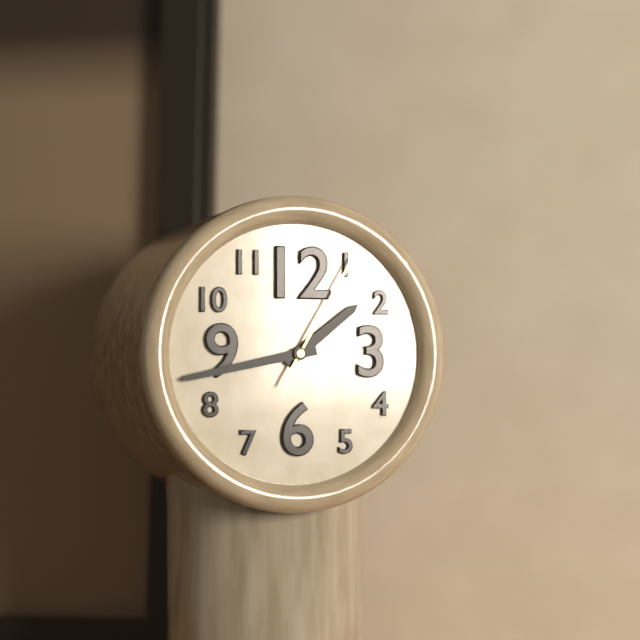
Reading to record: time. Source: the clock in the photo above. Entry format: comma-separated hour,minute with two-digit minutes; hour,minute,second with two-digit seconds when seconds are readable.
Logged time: 1,43,05
